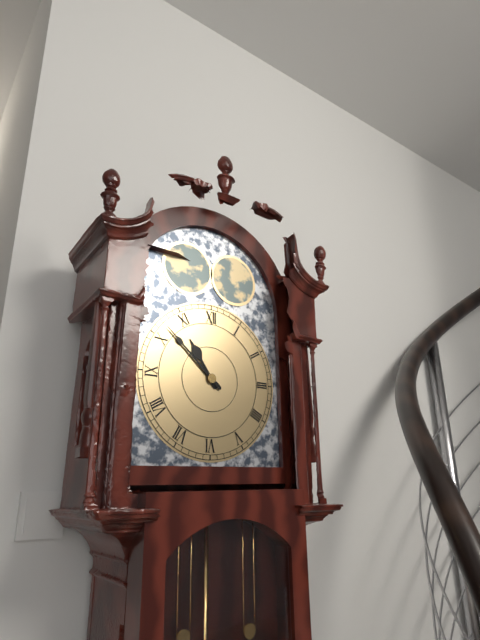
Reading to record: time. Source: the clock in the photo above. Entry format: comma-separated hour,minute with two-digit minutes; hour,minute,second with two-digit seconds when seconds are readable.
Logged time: 10,52
